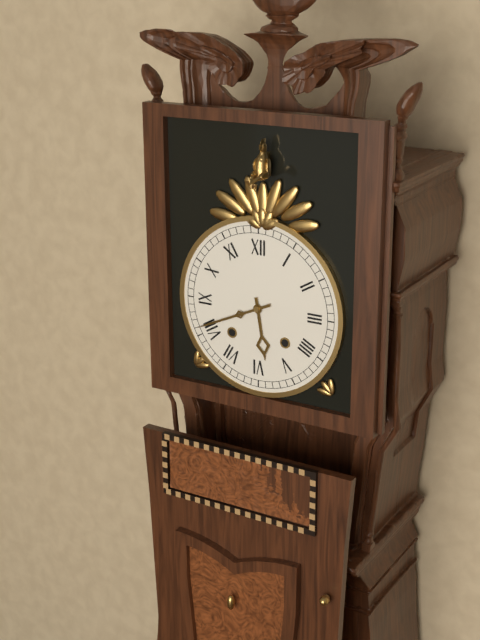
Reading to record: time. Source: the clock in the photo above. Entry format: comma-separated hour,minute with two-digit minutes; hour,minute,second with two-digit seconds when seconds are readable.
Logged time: 5,41
